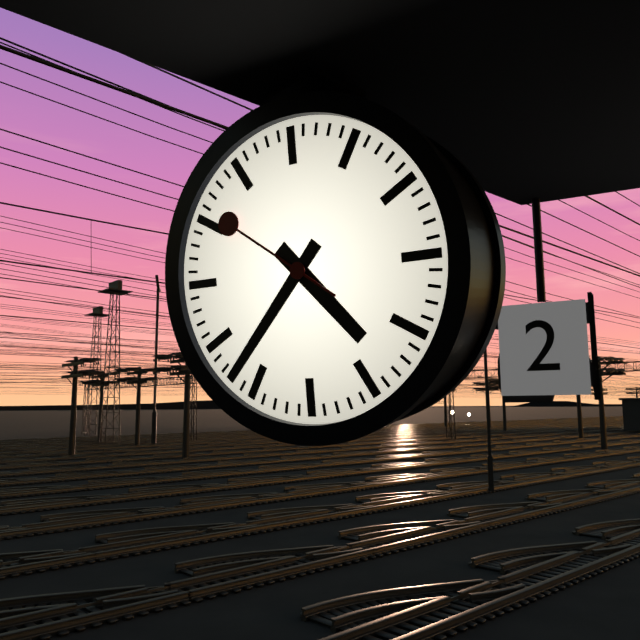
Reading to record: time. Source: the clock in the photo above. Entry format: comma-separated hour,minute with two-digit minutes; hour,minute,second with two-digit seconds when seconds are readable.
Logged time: 4,37,51
